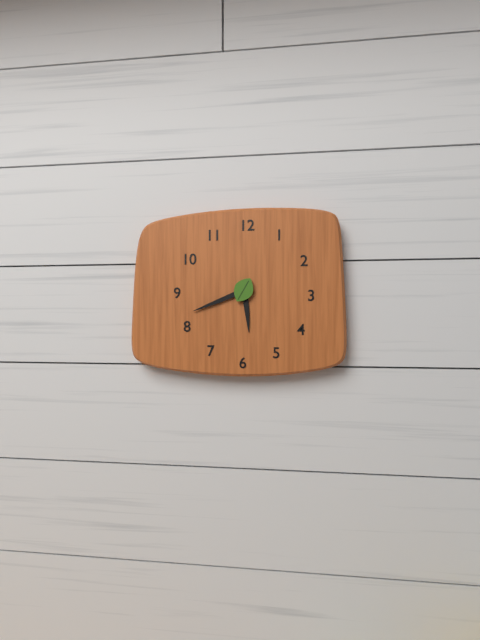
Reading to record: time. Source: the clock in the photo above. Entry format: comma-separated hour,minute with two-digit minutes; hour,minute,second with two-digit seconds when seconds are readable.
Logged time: 5,41
